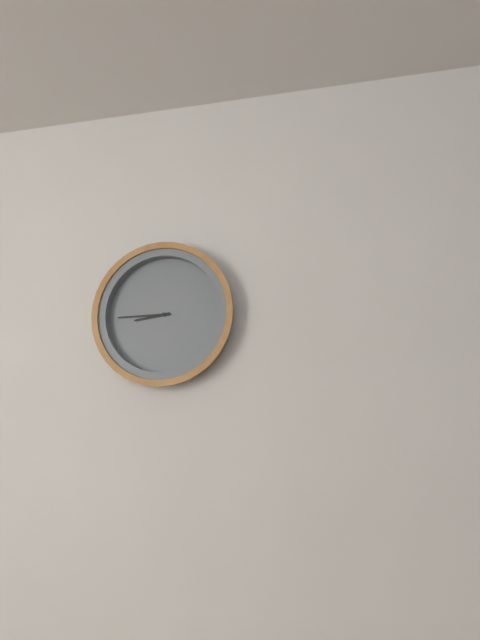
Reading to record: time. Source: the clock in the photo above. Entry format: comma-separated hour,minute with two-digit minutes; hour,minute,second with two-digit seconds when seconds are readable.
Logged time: 8,45
